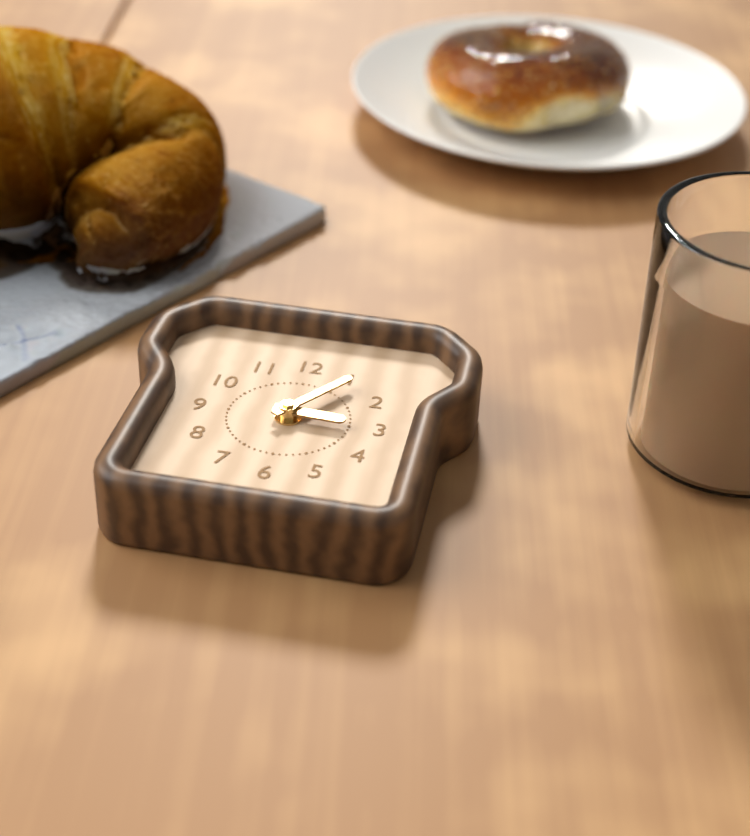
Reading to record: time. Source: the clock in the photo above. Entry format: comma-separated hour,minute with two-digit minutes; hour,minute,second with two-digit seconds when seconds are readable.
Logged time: 3,06
